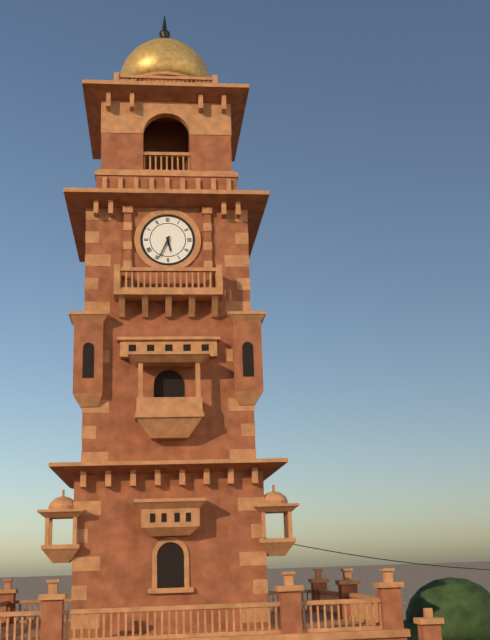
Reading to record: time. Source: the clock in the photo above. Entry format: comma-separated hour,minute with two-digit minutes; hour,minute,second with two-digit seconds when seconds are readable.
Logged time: 5,34
